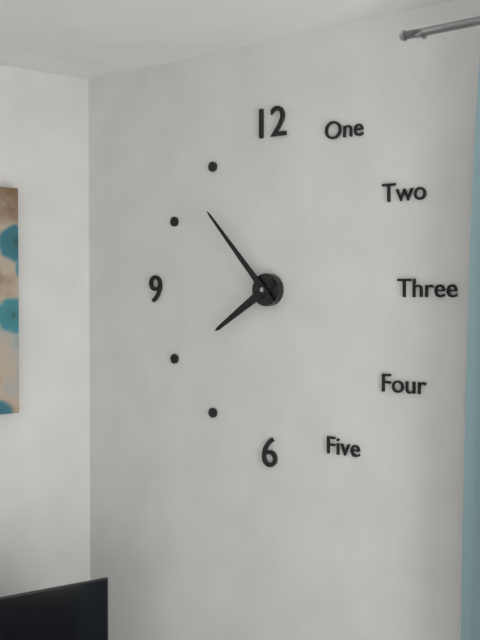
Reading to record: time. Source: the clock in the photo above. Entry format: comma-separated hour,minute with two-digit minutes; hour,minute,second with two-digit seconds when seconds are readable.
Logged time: 7,53
